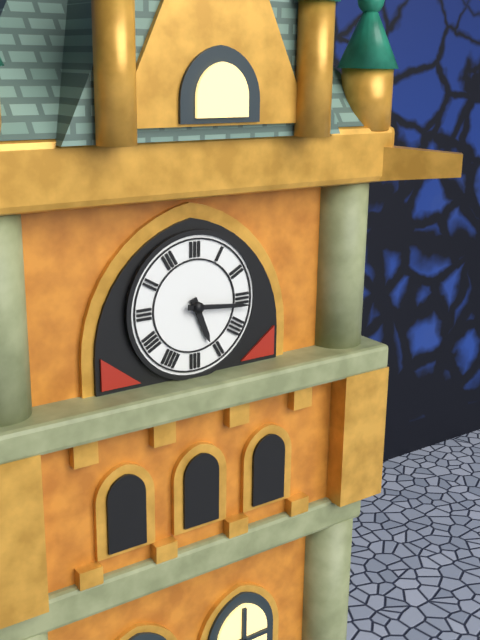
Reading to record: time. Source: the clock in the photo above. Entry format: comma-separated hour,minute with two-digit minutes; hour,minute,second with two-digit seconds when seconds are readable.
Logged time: 5,16
